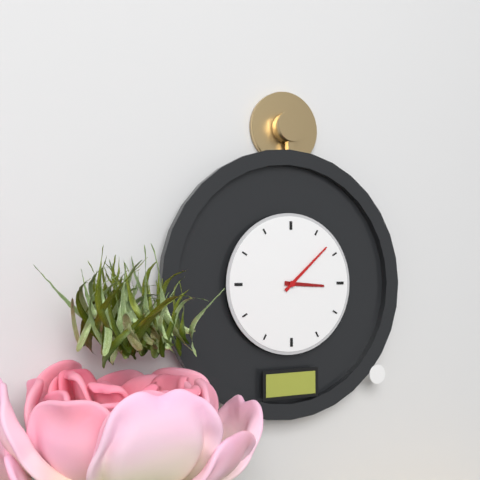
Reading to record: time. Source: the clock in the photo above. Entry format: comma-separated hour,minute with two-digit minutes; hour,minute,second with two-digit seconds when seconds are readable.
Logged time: 3,08
